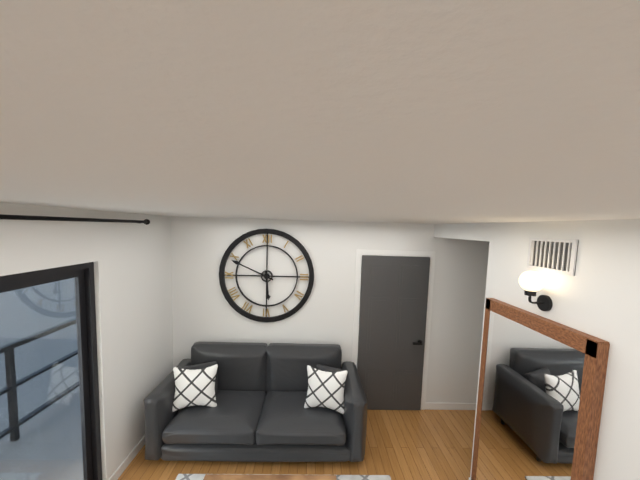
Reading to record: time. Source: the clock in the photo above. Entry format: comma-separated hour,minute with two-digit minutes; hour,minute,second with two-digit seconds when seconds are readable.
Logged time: 5,49
